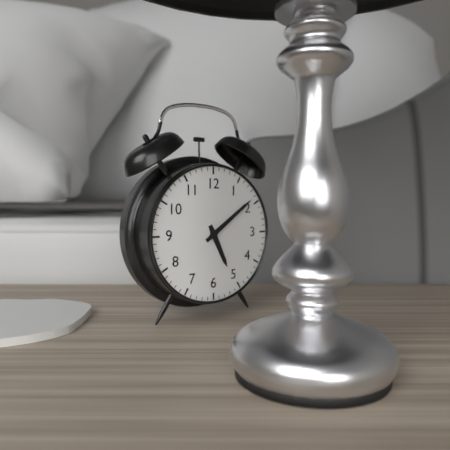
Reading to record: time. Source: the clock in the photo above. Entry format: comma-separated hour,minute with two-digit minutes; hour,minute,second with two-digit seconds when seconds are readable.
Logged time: 5,09
